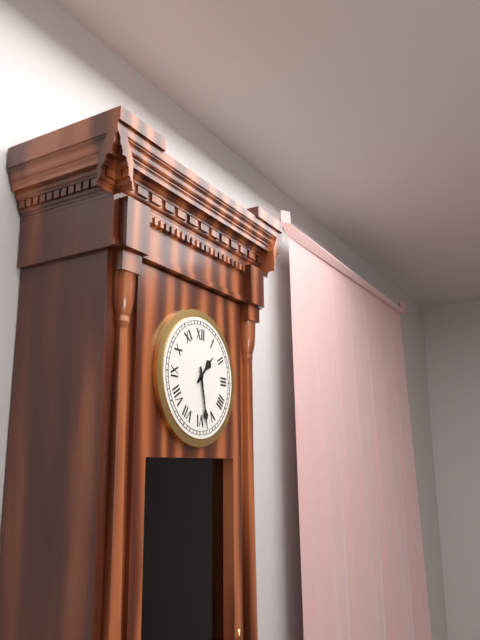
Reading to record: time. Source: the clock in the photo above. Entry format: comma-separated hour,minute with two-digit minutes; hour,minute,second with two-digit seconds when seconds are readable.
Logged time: 1,28
